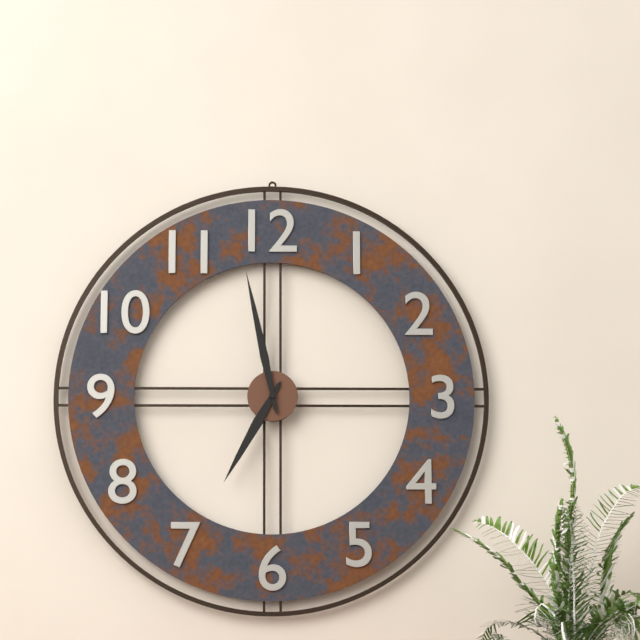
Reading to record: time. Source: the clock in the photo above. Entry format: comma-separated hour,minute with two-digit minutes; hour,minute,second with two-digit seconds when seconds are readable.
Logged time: 6,58
